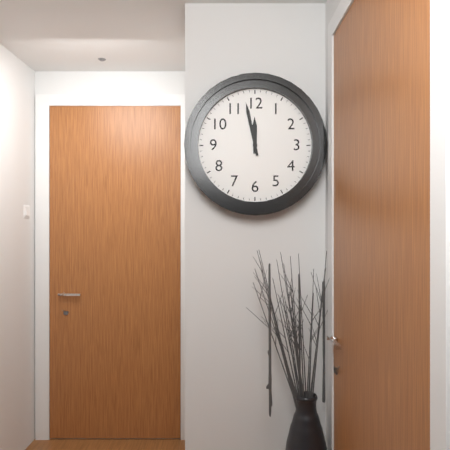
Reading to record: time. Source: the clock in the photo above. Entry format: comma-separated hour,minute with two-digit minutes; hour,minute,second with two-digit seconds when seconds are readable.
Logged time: 11,58
